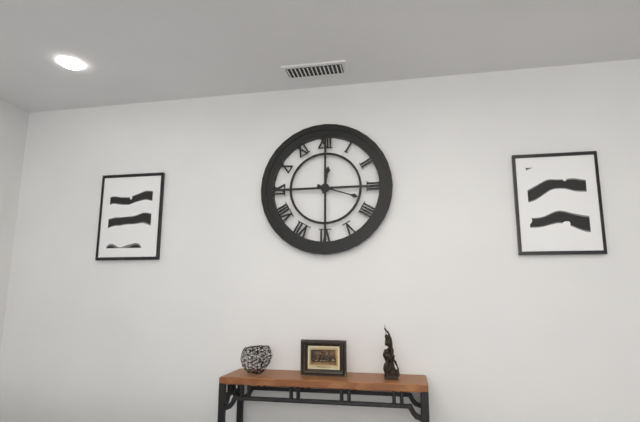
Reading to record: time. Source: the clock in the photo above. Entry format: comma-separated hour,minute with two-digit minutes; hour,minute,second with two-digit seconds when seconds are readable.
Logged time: 12,18
